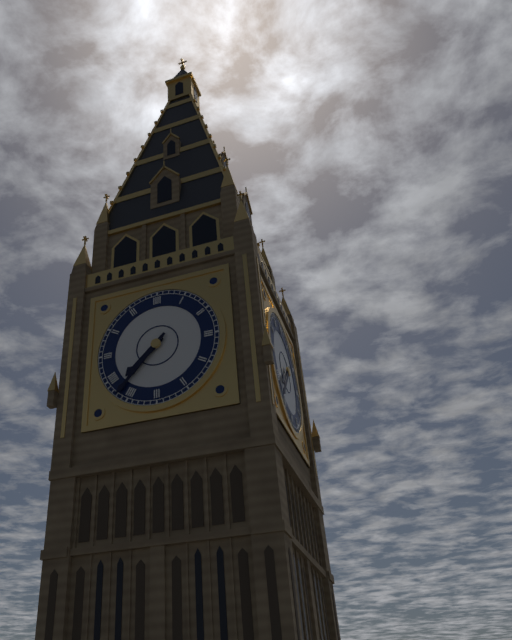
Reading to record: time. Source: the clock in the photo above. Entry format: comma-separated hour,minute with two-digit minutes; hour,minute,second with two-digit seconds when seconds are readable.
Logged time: 7,37
